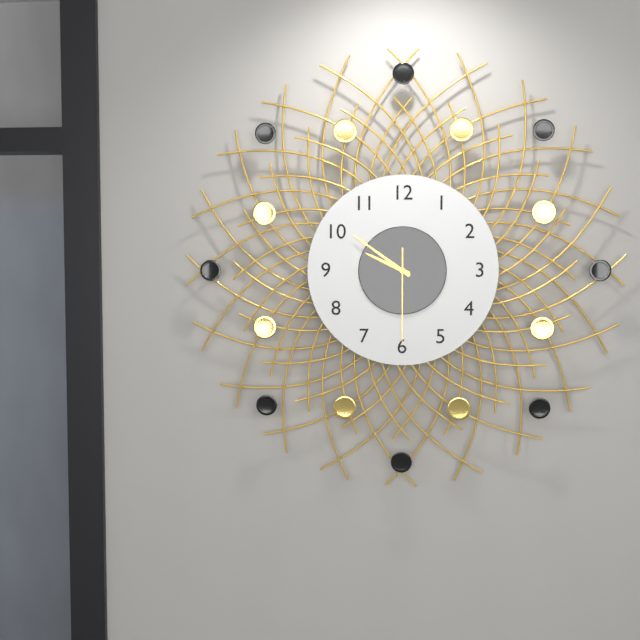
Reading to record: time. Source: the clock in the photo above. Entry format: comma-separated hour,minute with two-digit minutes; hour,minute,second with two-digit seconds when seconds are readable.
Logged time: 9,51,30
